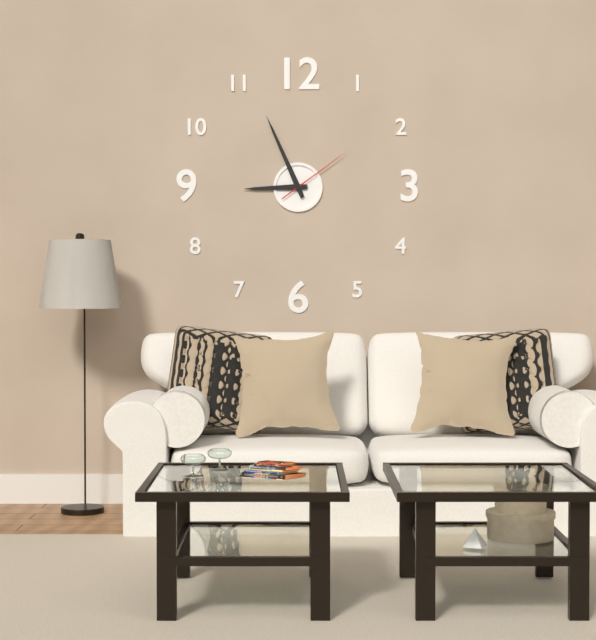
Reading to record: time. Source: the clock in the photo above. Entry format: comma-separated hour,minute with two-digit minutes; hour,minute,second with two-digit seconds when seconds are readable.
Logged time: 8,56,09
